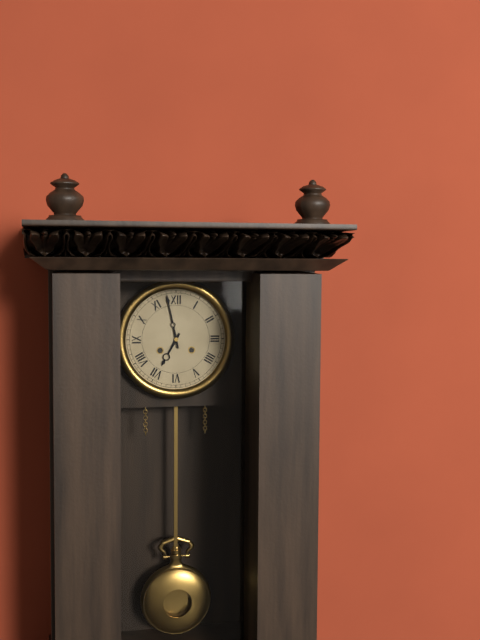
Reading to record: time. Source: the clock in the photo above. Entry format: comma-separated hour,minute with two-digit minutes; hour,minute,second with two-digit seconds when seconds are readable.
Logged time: 6,58
